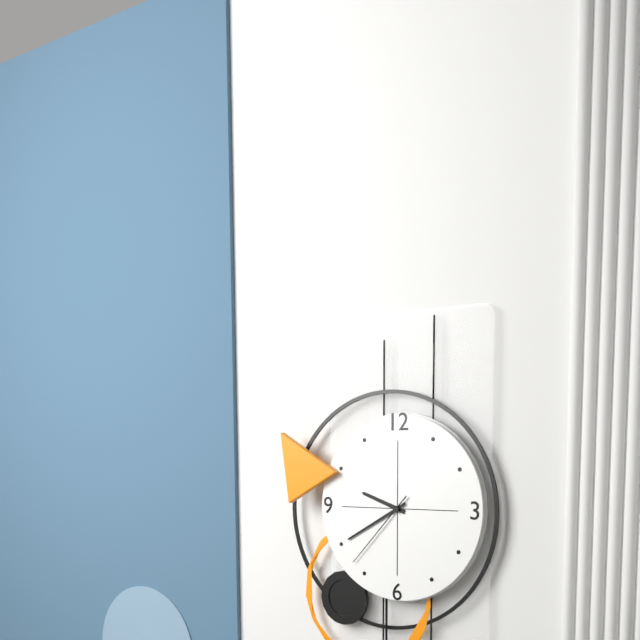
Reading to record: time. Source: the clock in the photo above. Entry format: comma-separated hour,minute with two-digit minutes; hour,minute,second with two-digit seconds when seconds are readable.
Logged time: 9,40,37
